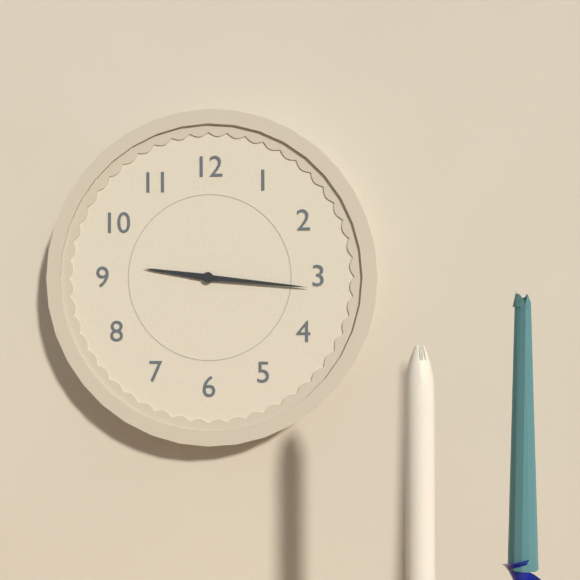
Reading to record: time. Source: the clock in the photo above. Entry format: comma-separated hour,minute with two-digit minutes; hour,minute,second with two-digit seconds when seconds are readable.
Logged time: 9,16
